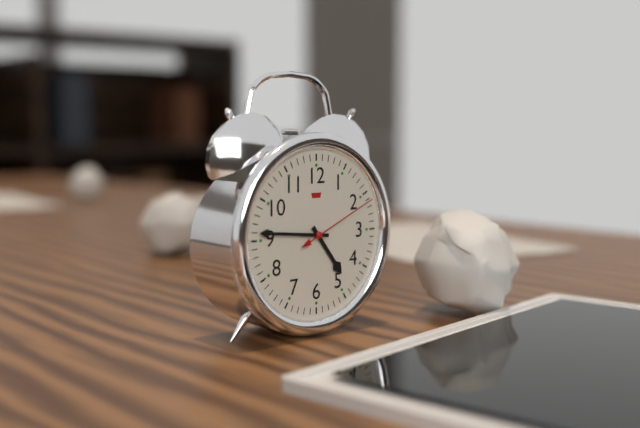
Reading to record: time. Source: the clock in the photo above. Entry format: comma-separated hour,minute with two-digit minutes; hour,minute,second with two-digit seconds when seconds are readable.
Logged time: 4,46,11
